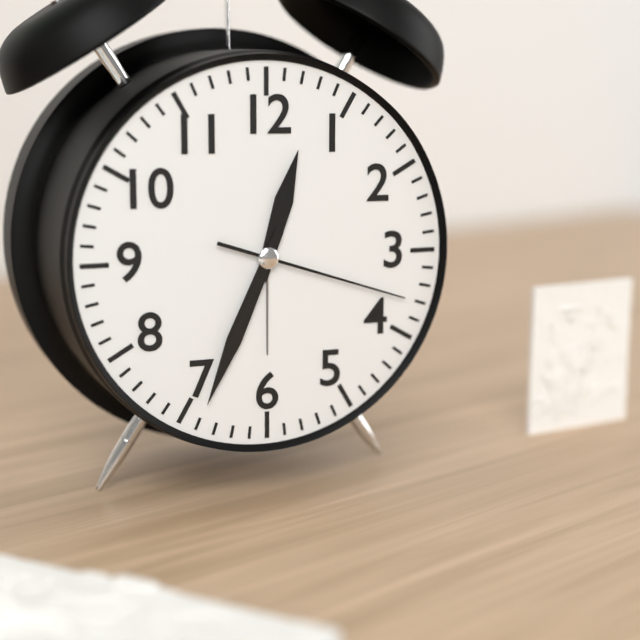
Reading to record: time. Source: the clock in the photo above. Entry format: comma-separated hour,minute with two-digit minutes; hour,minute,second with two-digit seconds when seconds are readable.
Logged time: 12,34,18
